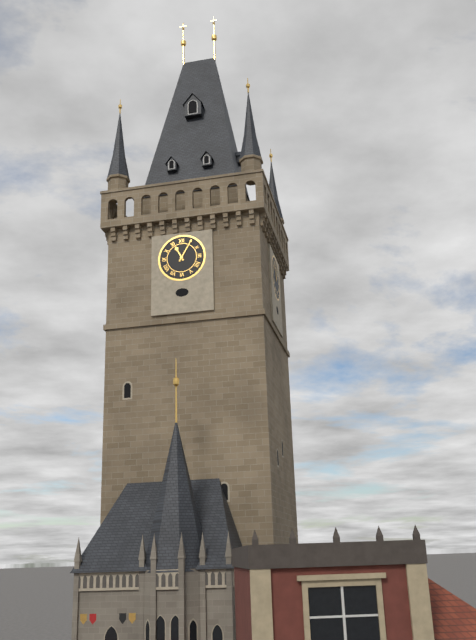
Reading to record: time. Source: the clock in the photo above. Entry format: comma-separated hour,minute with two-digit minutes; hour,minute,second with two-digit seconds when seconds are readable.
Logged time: 11,05
